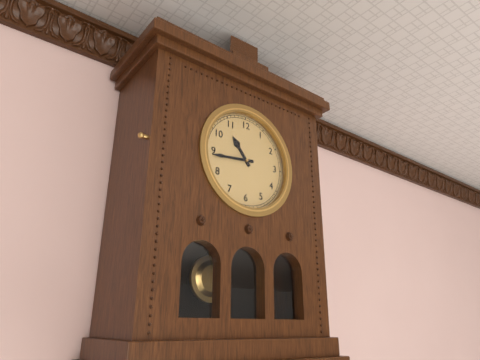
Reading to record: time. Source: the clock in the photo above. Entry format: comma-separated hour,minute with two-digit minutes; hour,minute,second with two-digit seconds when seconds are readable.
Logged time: 10,44
